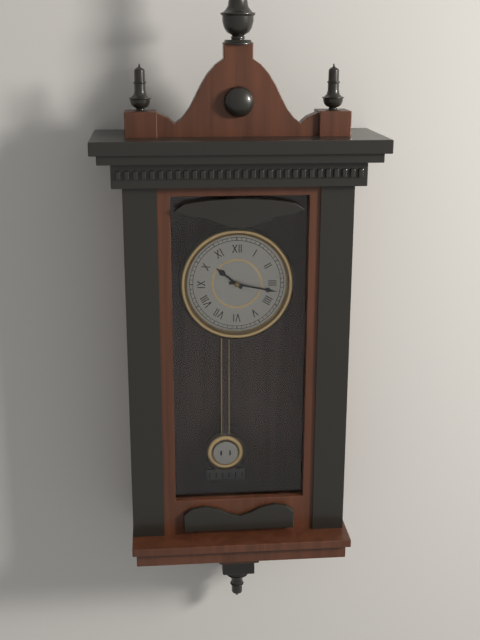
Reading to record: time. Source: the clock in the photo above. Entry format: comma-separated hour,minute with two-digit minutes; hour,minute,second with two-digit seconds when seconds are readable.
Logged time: 10,17
